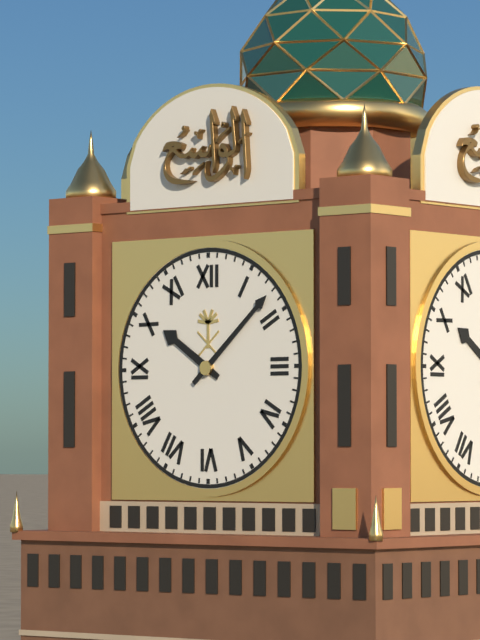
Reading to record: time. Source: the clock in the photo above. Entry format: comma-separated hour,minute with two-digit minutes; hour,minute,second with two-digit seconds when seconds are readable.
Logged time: 10,08
